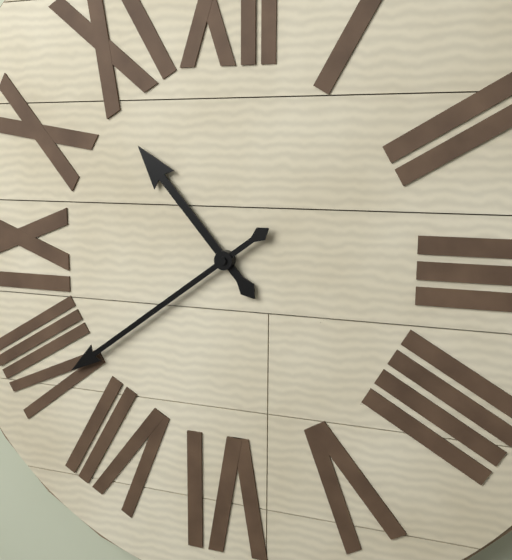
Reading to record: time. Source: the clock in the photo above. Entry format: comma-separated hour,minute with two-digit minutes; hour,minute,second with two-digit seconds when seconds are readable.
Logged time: 10,39
